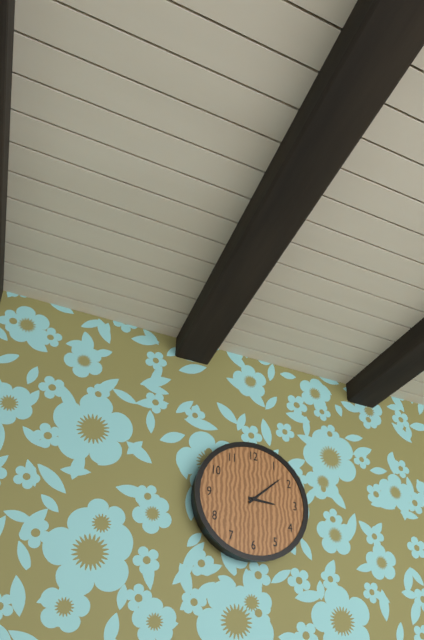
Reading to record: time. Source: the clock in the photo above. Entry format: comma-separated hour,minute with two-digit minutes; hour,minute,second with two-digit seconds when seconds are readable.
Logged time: 3,08
